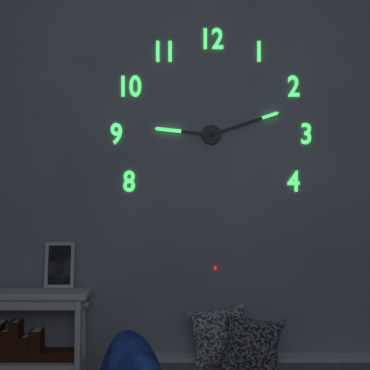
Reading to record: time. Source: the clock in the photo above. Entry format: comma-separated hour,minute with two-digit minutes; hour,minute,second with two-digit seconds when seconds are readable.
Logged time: 9,12
